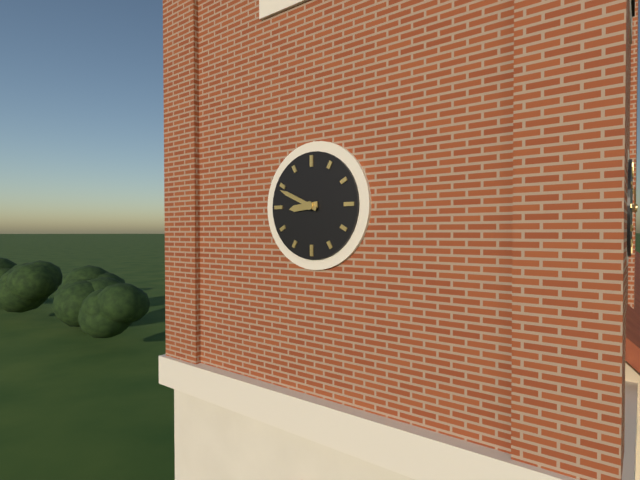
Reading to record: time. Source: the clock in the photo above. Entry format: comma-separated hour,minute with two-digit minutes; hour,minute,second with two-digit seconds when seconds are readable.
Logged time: 8,49
